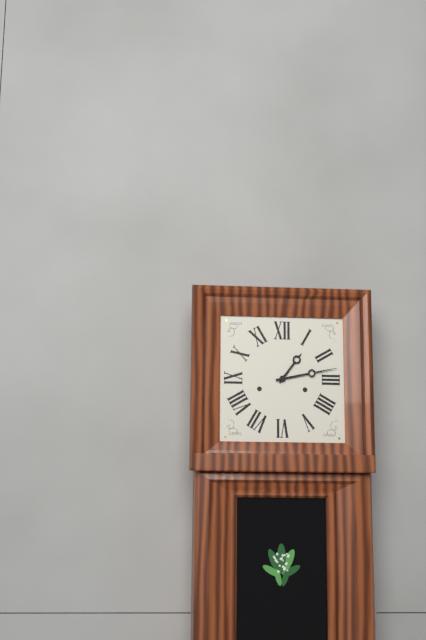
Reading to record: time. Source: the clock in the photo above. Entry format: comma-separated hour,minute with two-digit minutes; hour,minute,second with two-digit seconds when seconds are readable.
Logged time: 1,13
